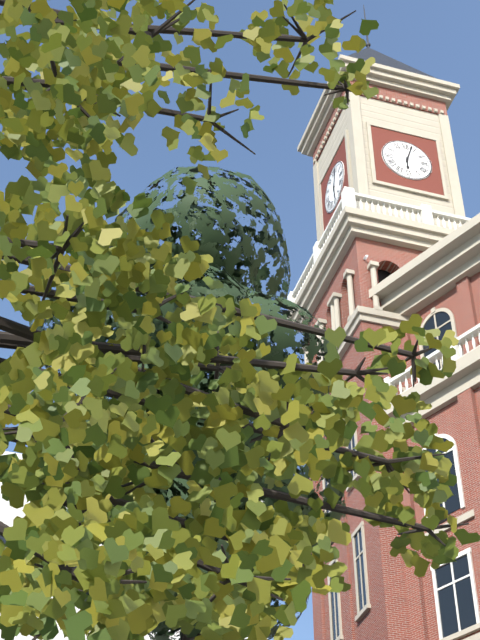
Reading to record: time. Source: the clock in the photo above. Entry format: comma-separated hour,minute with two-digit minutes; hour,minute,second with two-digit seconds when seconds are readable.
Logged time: 6,03
